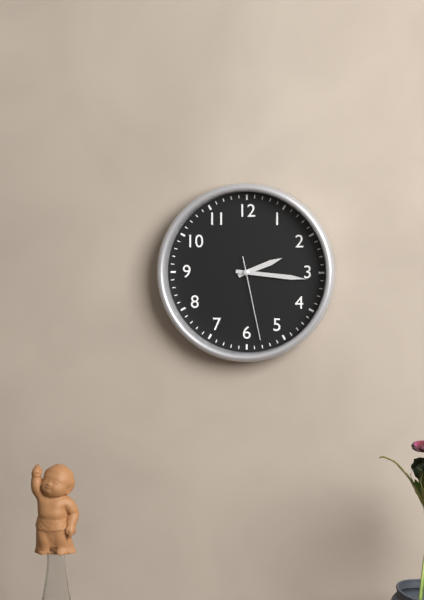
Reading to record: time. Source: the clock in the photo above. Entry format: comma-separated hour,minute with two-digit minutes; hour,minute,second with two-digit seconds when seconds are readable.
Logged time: 2,16,28
